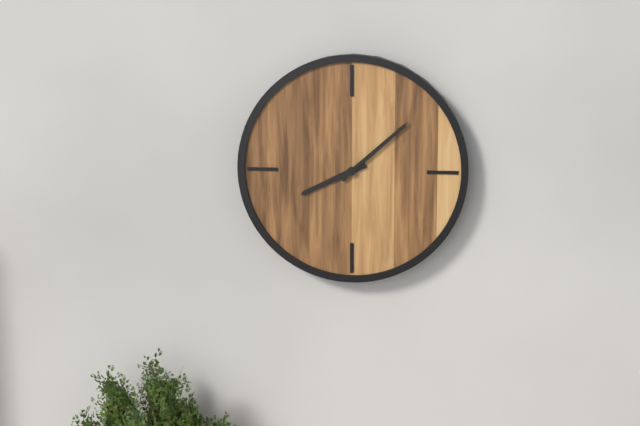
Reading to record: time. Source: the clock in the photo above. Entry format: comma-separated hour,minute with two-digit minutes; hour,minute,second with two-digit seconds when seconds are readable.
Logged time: 8,08
